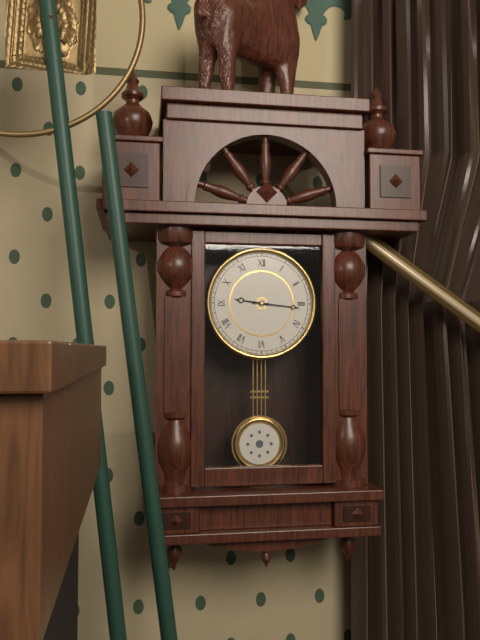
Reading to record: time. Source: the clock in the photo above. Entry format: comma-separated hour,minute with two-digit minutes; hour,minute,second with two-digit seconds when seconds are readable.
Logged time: 9,16
